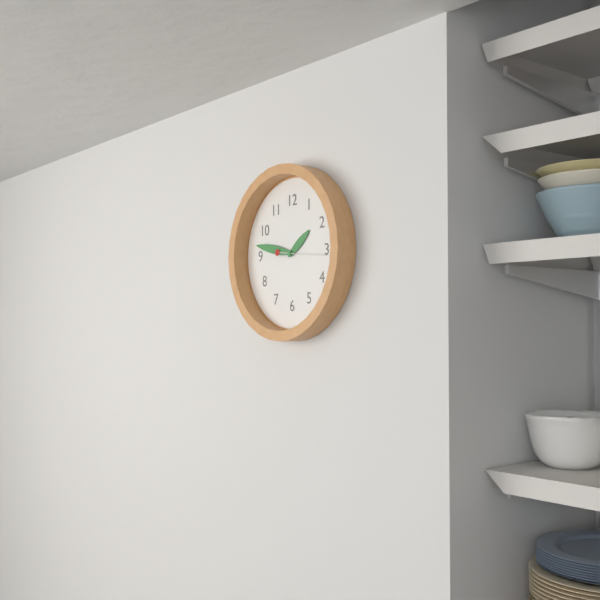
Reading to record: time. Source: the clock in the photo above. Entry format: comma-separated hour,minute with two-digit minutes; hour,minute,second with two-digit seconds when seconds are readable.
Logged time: 1,47
